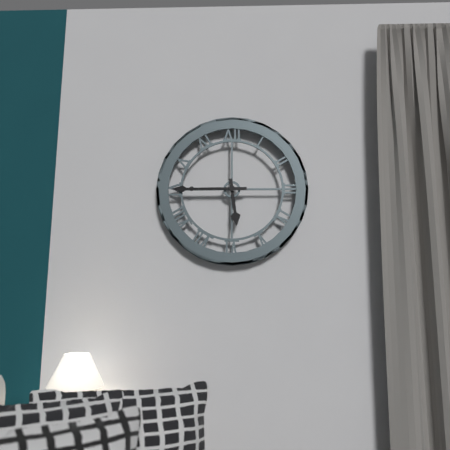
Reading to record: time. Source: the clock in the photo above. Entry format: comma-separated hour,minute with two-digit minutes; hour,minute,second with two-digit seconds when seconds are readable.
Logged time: 5,45
